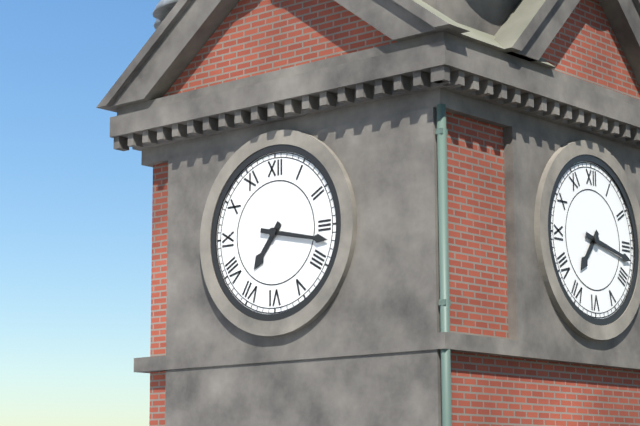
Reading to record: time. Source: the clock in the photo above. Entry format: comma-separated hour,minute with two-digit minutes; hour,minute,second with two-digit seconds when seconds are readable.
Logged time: 7,17
